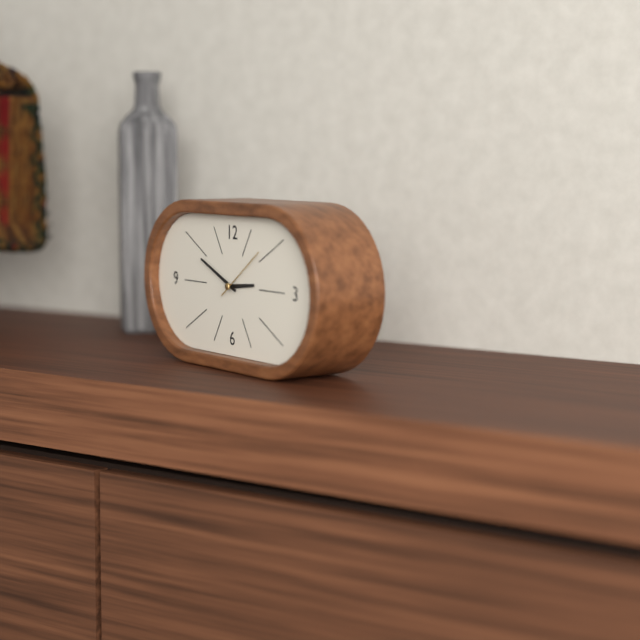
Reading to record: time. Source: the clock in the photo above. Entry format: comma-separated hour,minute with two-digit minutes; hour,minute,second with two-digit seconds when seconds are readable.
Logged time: 2,49,09
